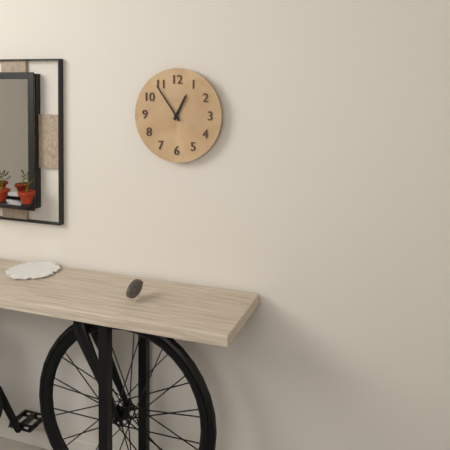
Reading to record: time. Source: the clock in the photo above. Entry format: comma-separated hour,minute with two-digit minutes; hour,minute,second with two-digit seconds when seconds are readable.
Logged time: 12,54
